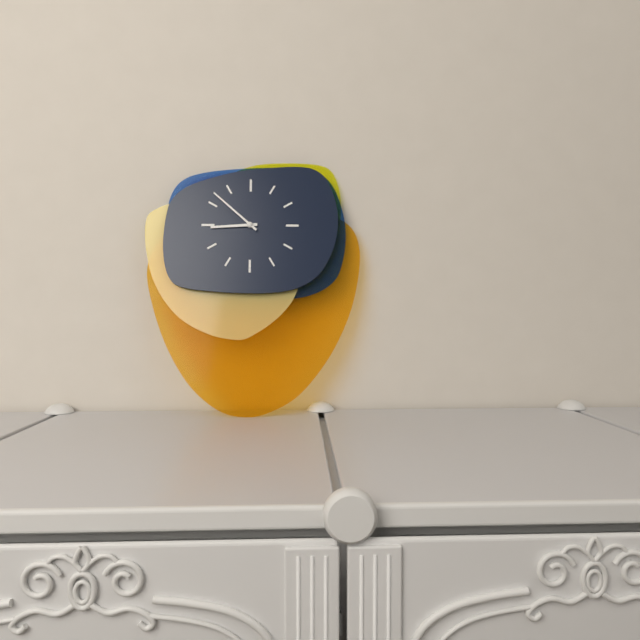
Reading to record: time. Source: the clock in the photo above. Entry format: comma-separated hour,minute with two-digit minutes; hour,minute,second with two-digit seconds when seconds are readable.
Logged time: 8,52
